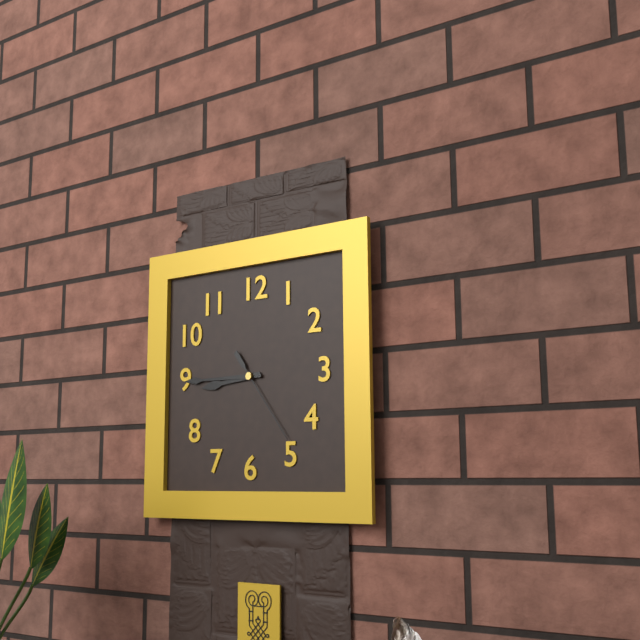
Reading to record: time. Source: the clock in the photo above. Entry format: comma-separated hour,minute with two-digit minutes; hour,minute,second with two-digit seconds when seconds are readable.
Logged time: 8,45,24
